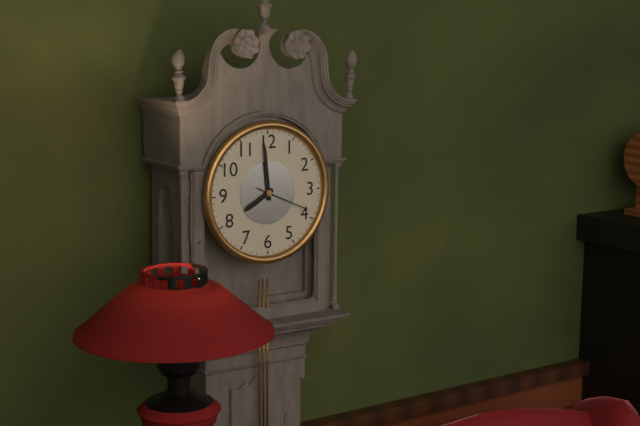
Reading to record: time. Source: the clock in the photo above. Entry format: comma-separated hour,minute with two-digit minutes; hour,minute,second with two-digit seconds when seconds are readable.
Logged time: 7,59,19
